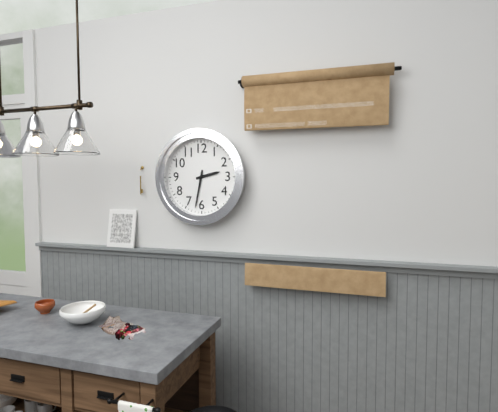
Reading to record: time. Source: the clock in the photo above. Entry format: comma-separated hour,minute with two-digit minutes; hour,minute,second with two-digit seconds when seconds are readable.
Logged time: 2,32
